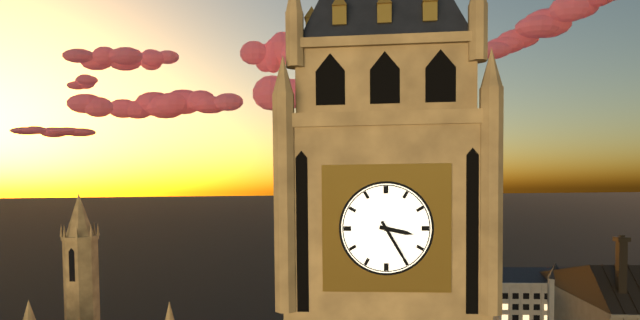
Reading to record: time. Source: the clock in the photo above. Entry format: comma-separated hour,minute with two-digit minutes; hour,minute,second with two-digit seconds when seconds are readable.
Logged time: 3,25
